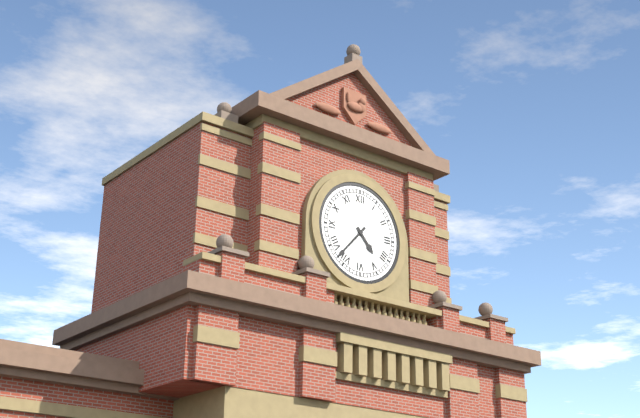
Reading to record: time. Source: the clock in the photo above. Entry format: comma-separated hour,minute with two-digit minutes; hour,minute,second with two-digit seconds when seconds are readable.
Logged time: 4,37
